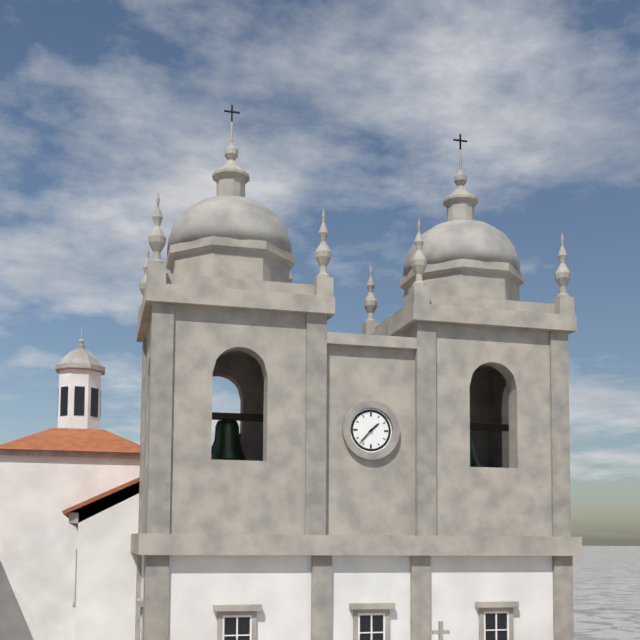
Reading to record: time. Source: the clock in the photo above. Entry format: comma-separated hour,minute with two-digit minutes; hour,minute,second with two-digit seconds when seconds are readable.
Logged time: 1,37
